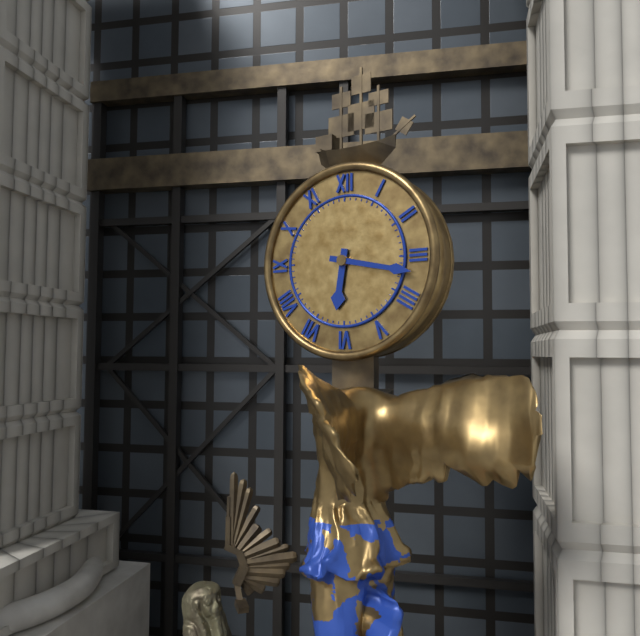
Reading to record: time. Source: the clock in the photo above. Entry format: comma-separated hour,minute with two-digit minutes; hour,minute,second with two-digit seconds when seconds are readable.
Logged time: 6,17
